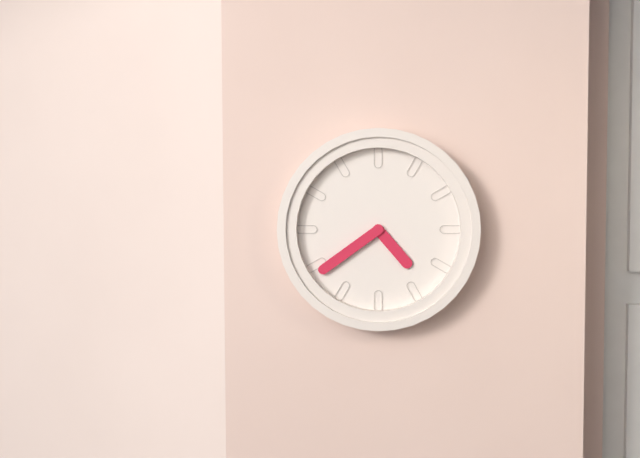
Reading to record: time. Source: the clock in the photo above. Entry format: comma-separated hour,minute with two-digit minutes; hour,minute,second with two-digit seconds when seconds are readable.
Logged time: 4,39
